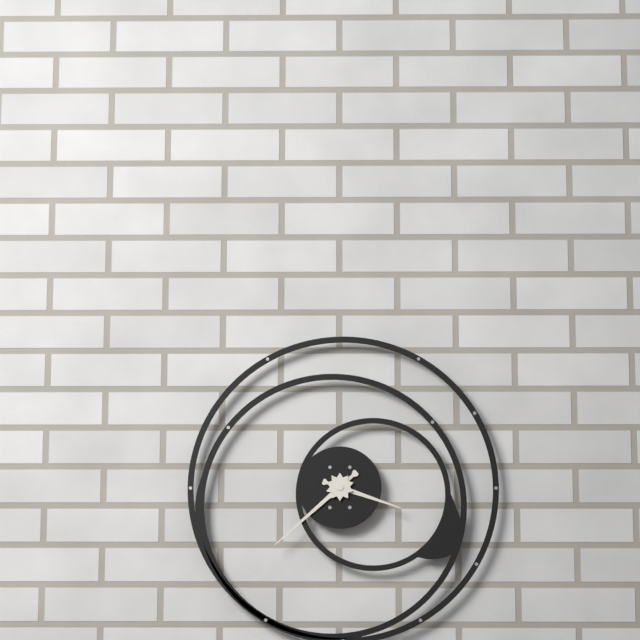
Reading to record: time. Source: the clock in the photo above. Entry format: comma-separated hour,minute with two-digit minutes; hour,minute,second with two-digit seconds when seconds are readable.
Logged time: 3,38
